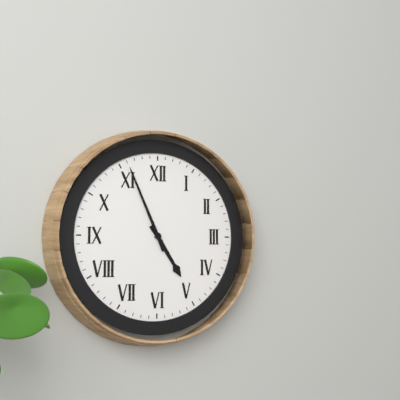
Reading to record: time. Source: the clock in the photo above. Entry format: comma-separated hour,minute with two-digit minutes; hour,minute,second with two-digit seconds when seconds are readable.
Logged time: 4,56
